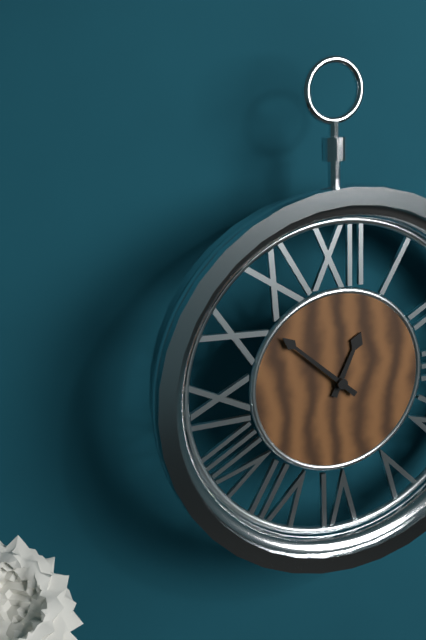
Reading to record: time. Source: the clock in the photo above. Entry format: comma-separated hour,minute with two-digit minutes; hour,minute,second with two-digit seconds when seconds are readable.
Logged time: 12,52
